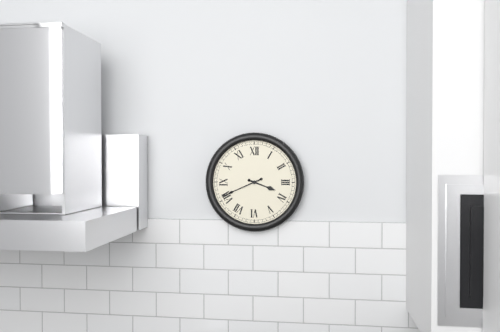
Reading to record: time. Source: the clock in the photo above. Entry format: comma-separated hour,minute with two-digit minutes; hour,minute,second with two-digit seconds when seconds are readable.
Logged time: 3,41
